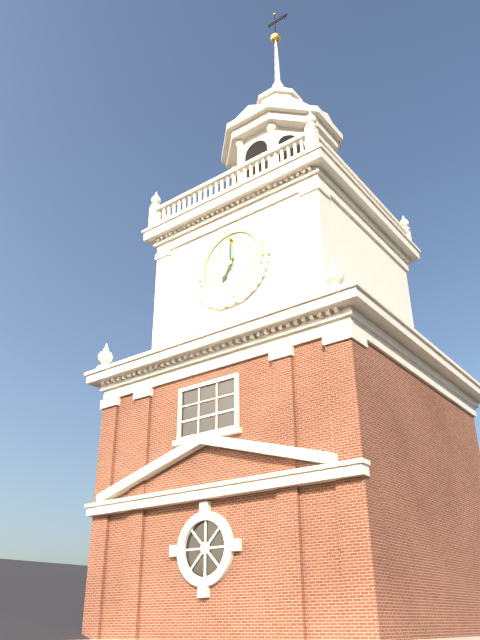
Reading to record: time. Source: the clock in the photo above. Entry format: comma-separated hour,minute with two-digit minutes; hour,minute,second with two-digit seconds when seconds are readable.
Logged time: 7,00
